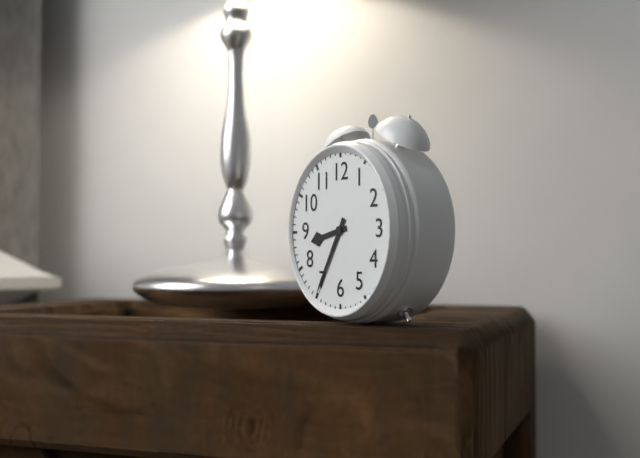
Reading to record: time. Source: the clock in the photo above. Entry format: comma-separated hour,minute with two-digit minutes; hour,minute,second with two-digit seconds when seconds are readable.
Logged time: 8,35
